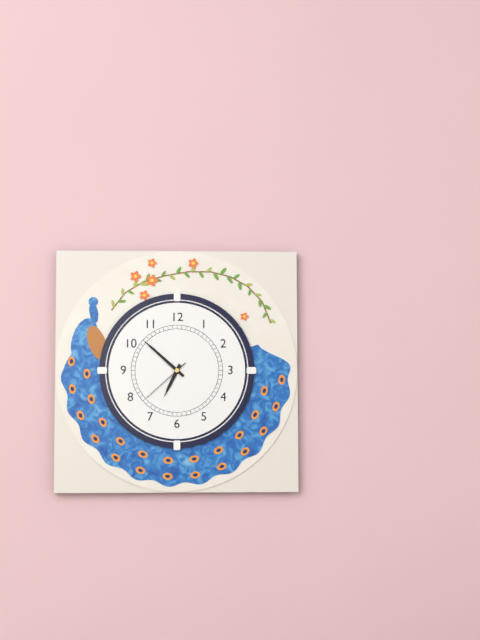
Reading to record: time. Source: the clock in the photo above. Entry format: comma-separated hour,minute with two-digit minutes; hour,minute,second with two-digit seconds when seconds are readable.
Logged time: 6,52,38
